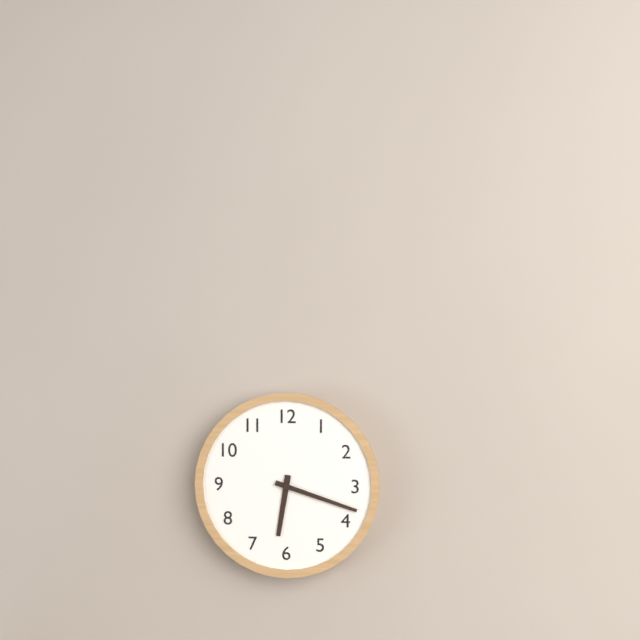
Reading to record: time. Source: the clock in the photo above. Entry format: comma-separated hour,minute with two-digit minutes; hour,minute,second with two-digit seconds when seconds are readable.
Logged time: 6,18
